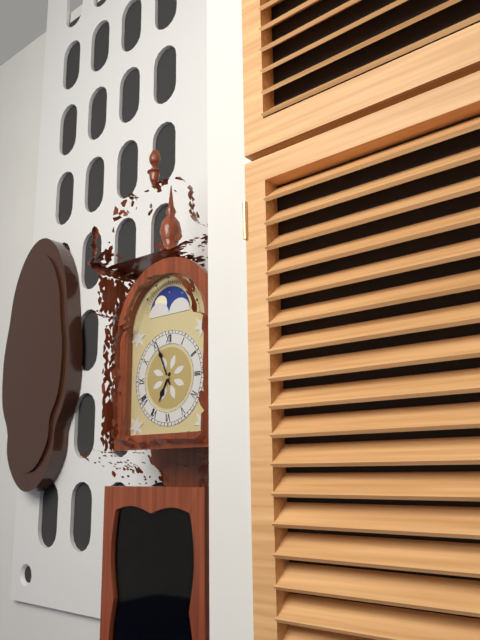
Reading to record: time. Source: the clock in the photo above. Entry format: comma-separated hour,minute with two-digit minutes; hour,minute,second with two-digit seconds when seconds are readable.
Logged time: 6,56
